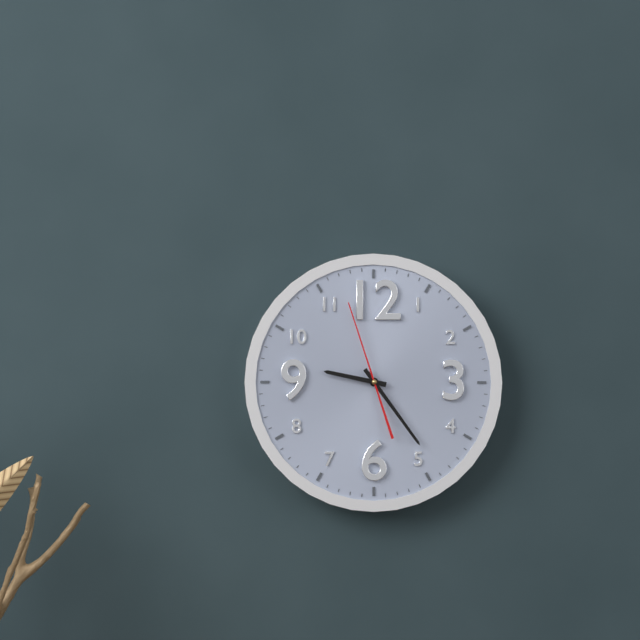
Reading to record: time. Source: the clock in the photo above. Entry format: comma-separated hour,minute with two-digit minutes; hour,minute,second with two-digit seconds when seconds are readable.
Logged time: 9,24,57
